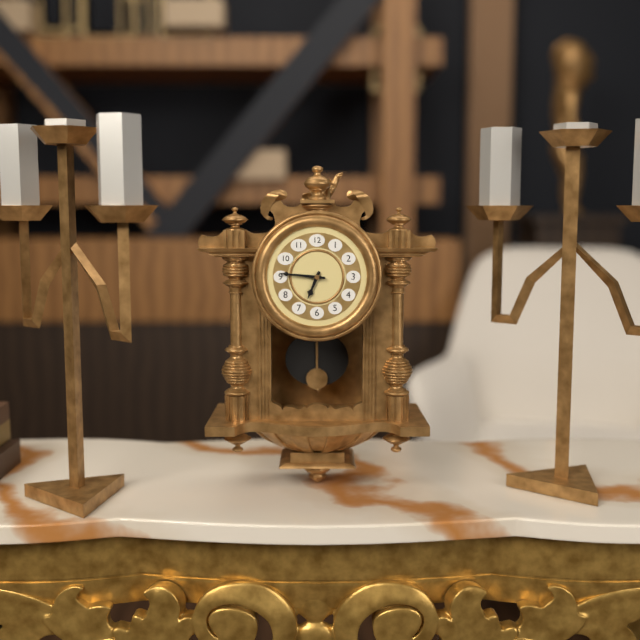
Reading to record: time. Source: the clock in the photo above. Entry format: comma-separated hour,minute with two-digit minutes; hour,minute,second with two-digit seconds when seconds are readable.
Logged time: 6,46
